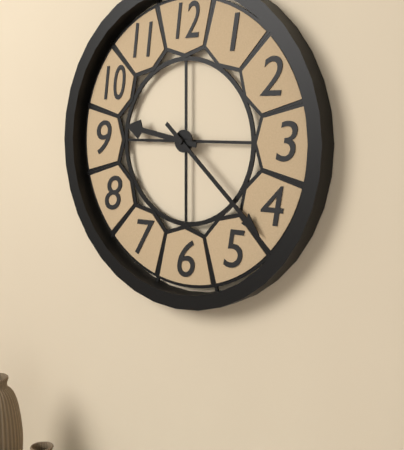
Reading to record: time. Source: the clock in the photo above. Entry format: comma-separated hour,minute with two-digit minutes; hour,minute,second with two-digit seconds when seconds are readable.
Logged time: 9,22
